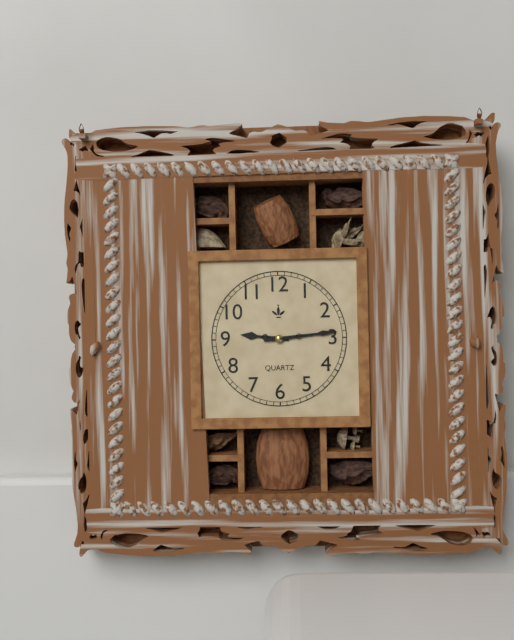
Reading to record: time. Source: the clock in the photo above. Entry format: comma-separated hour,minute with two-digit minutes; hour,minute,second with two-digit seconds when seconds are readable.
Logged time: 9,14
